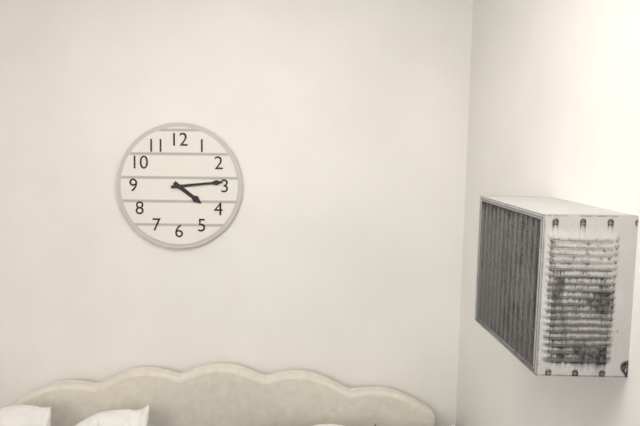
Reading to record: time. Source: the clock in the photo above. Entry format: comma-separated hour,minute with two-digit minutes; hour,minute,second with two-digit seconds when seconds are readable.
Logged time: 4,14
